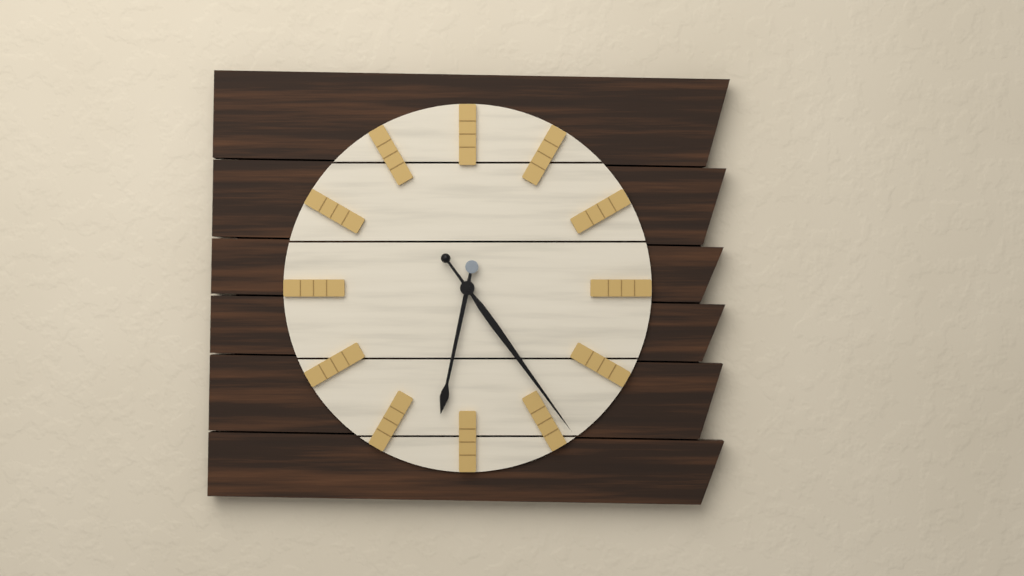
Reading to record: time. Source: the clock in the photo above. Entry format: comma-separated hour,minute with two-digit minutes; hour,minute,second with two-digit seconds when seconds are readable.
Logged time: 6,24
